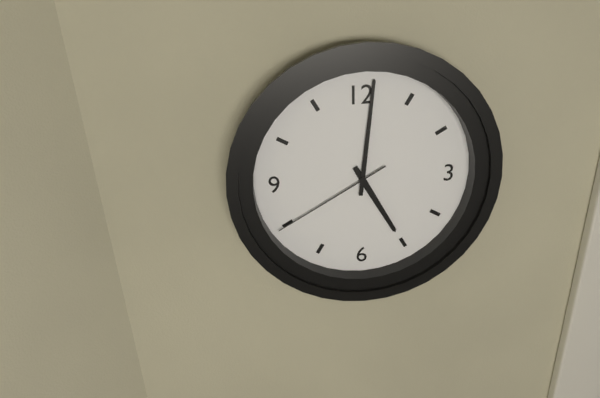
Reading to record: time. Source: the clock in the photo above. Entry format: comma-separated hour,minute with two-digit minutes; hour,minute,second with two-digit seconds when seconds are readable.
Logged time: 5,01,40
